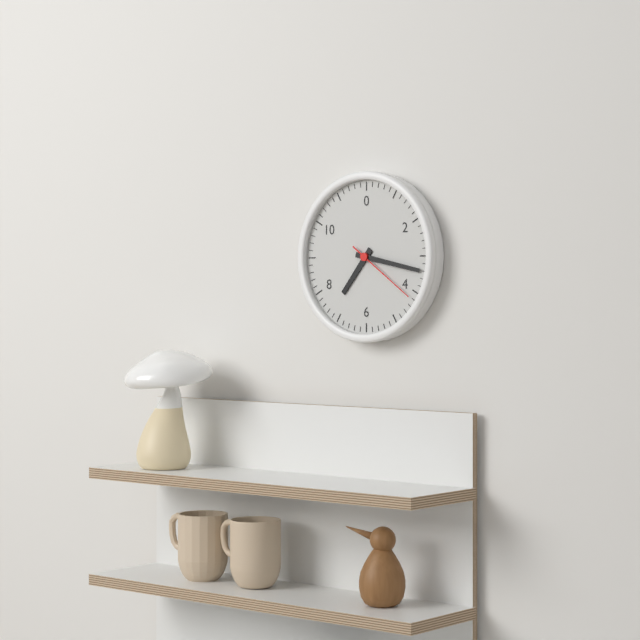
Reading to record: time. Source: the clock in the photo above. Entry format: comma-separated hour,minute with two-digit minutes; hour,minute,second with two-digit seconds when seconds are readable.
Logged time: 7,17,21
